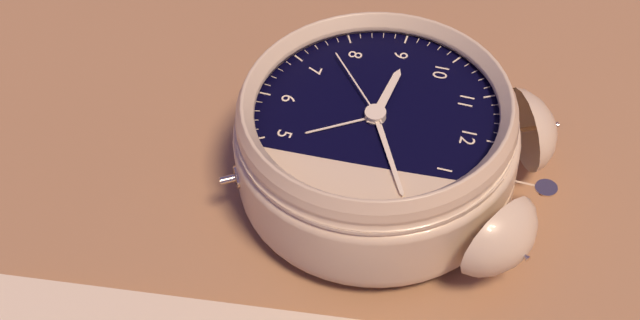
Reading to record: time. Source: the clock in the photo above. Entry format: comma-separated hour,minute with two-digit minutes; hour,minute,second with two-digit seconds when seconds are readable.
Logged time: 9,10,38
